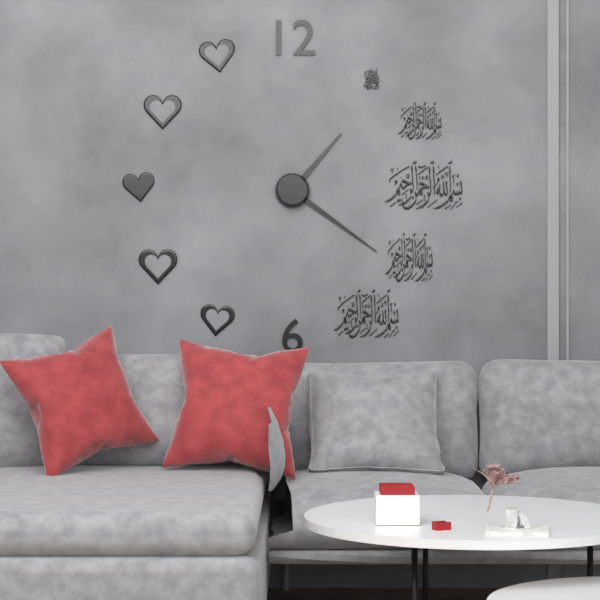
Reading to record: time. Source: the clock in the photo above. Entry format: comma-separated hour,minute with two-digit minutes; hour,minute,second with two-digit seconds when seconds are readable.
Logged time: 1,21
